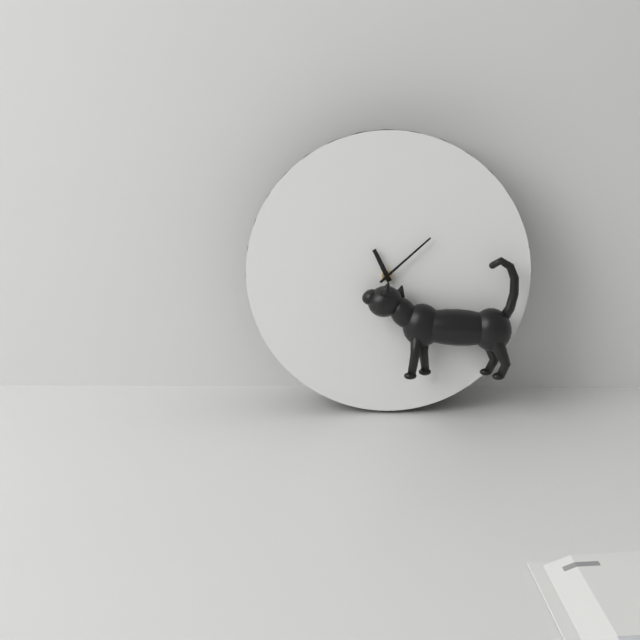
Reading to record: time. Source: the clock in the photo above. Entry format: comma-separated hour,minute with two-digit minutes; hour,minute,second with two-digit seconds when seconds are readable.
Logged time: 11,08
